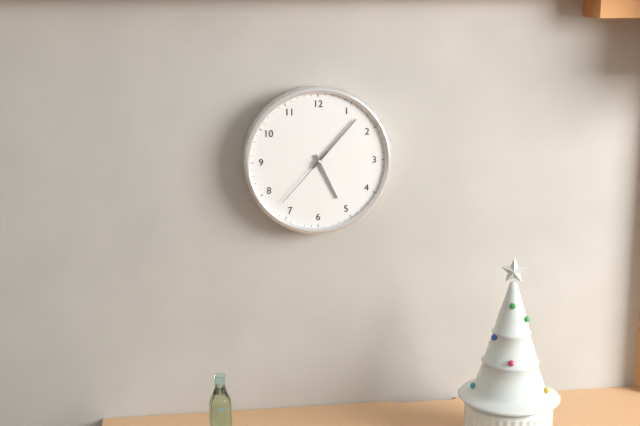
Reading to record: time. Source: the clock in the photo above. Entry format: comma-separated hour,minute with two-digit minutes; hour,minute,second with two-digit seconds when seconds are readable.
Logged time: 5,07,37
